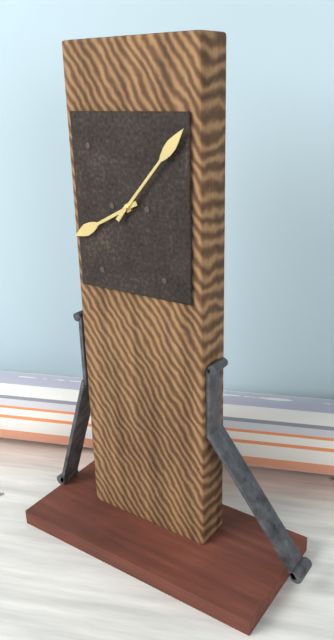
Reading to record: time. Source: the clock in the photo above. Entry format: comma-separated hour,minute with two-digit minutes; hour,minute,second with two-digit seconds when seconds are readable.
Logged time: 8,07
